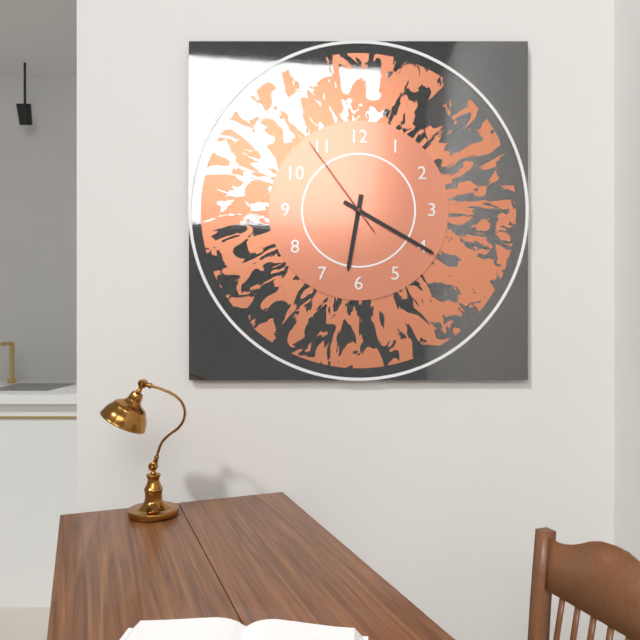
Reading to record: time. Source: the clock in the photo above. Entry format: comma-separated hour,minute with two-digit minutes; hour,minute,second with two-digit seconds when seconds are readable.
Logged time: 6,20,54
